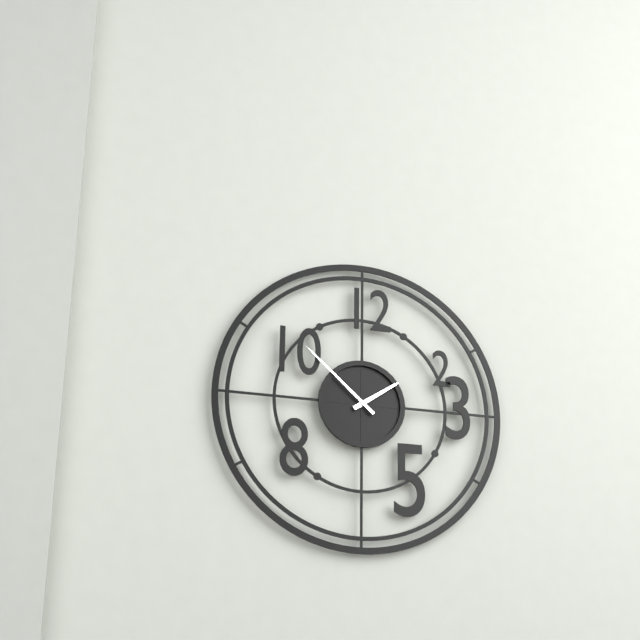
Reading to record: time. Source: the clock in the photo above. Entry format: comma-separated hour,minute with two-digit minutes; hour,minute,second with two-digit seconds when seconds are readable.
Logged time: 1,52
